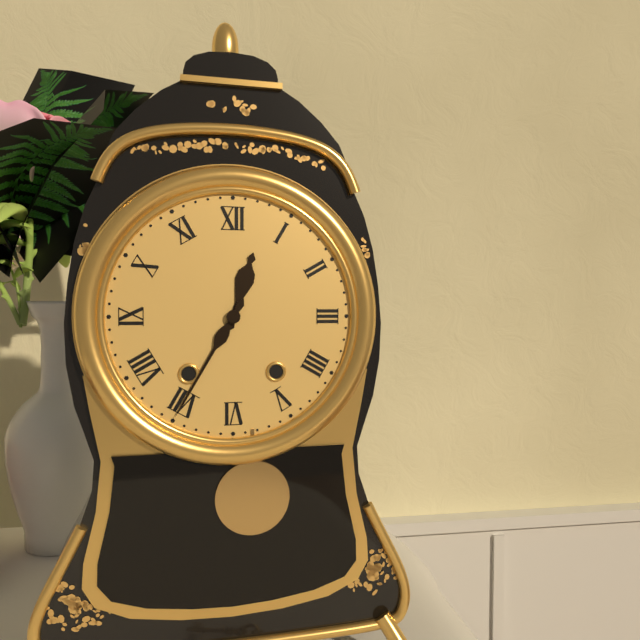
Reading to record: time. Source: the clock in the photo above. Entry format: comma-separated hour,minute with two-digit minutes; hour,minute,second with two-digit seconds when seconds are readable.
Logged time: 12,35
